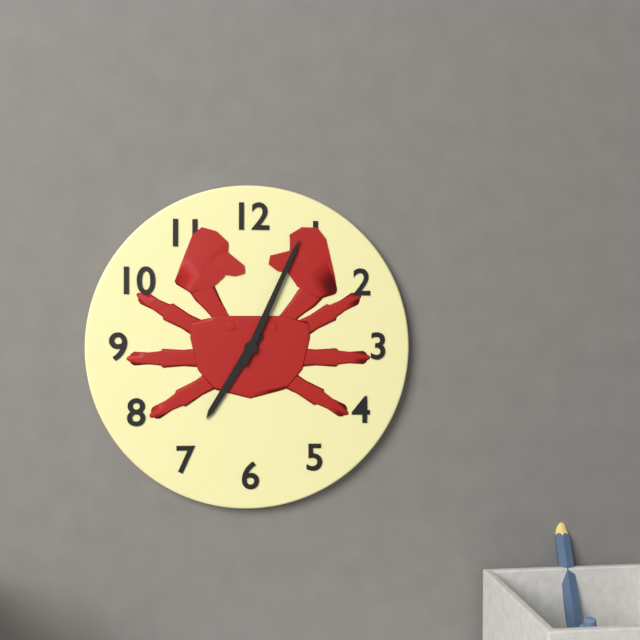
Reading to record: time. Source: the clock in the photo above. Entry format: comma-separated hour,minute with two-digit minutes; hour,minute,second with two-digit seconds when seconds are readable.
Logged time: 7,04
